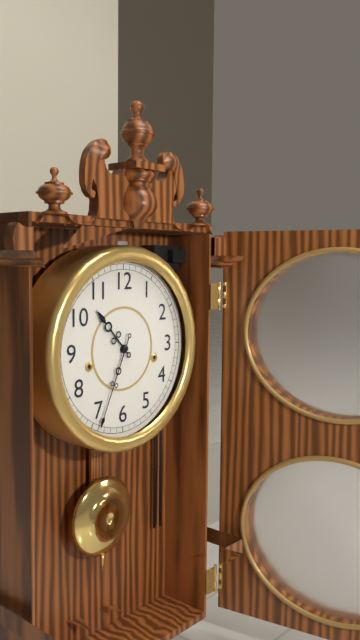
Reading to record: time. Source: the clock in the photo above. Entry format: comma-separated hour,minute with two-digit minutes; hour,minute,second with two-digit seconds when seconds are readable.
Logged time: 10,34
